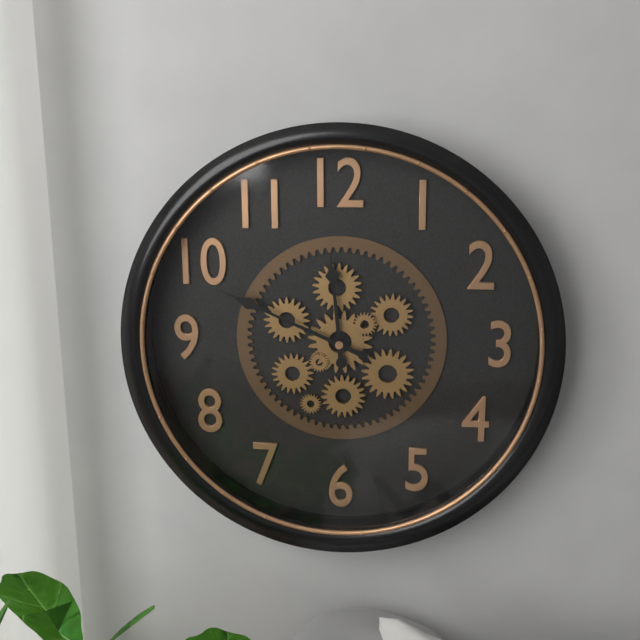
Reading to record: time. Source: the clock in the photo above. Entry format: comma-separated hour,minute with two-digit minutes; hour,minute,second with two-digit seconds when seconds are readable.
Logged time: 11,49
